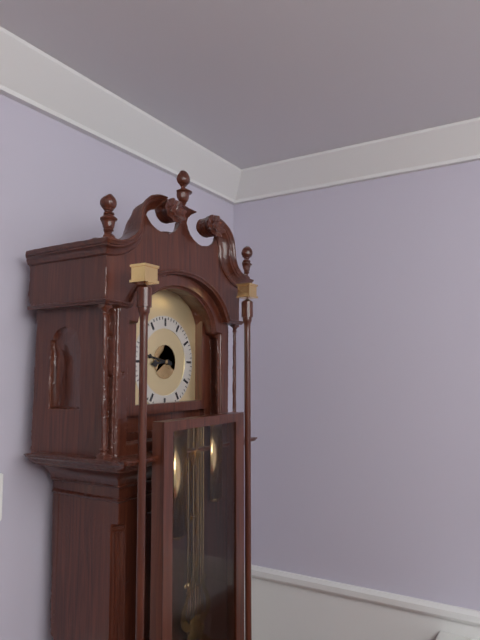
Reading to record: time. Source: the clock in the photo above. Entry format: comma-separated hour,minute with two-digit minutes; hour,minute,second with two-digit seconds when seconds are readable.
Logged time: 8,47
